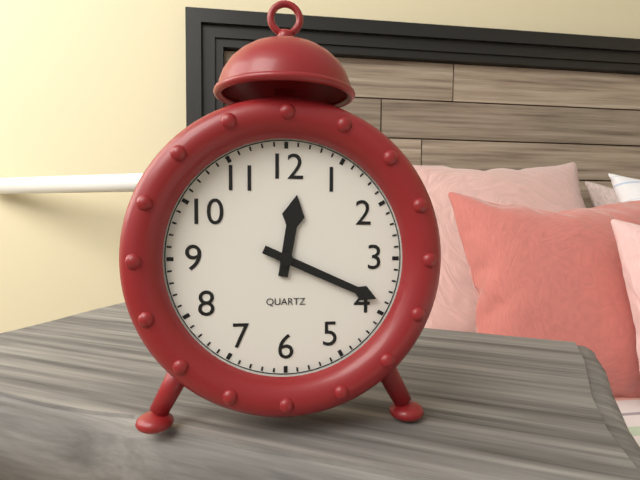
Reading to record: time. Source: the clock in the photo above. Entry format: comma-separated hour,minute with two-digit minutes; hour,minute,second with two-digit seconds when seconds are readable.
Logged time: 12,19
